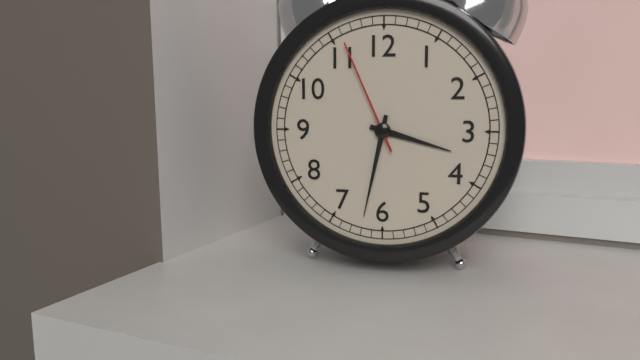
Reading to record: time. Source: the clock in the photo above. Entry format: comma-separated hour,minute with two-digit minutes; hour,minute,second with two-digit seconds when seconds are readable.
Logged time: 3,32,56
